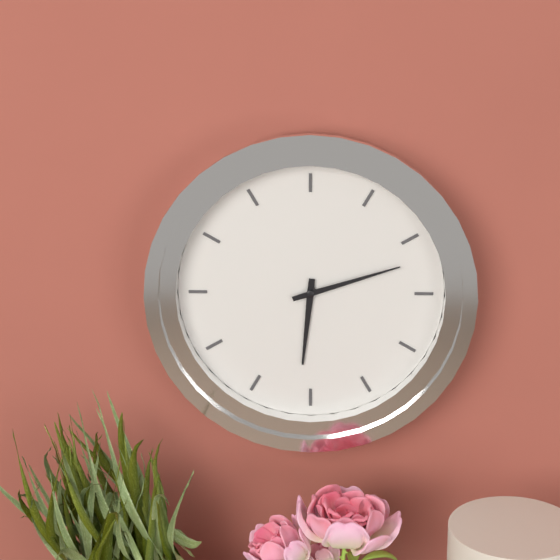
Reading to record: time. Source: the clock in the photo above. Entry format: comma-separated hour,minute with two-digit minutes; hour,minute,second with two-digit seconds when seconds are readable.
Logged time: 6,12
